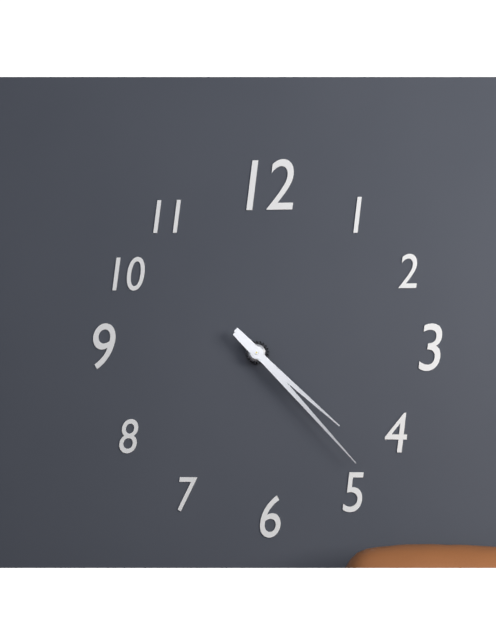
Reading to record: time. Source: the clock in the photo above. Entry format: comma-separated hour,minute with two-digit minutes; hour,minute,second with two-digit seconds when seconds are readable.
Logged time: 4,23
